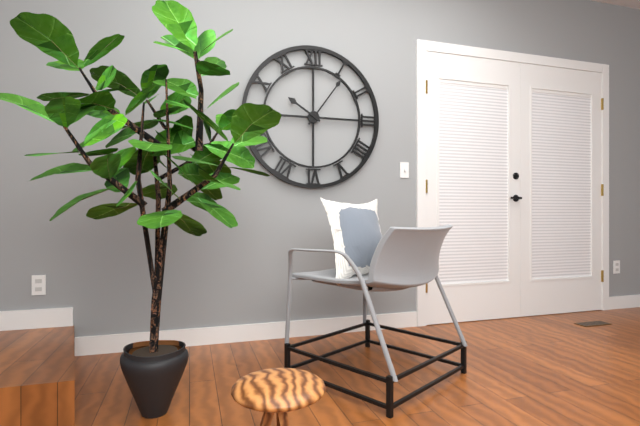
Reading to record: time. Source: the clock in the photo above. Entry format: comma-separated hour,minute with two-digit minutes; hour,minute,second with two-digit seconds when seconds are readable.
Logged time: 10,06
